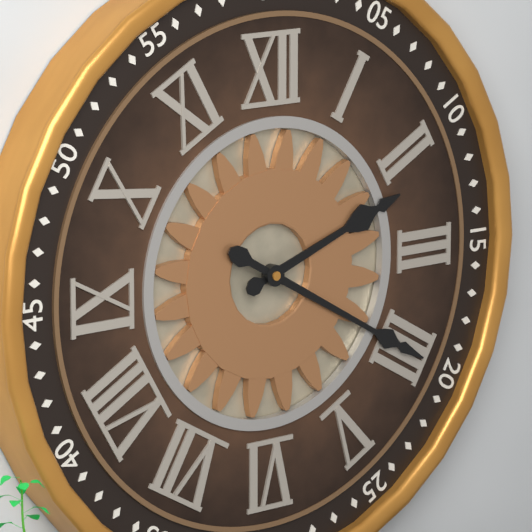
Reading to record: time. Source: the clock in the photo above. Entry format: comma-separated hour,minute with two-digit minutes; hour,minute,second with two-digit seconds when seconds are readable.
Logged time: 2,20
